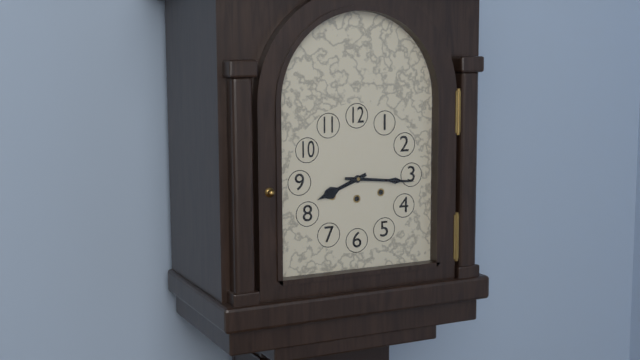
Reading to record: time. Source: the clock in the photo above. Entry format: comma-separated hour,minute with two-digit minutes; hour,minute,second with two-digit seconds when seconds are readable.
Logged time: 8,16
